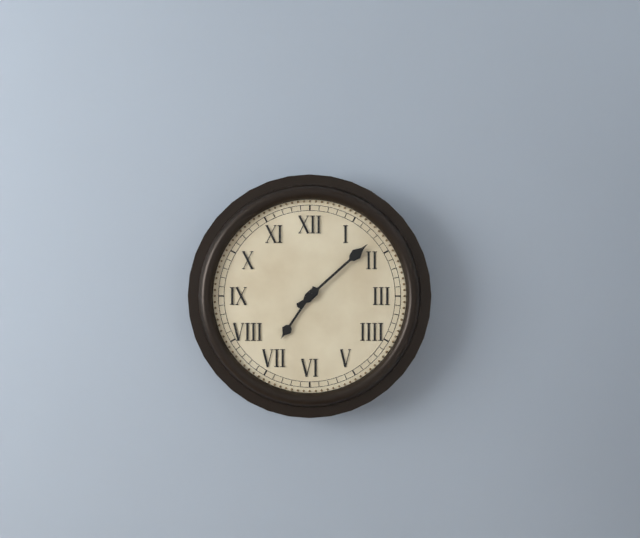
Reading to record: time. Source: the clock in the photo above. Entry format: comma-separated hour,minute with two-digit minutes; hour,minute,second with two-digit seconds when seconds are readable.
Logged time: 7,08
